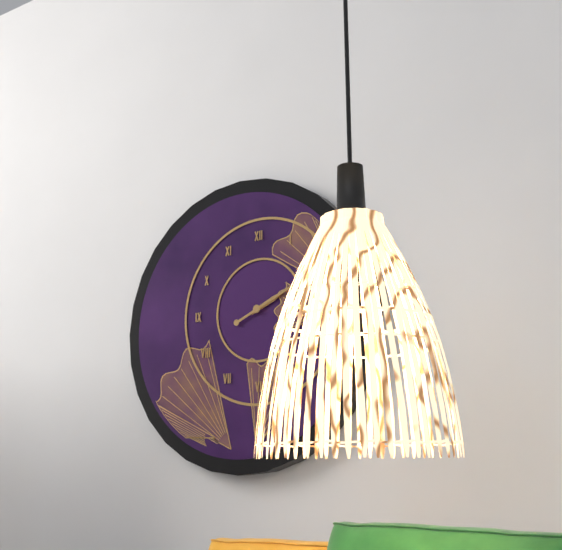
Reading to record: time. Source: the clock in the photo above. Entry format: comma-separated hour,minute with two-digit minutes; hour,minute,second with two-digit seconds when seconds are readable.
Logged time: 2,11
